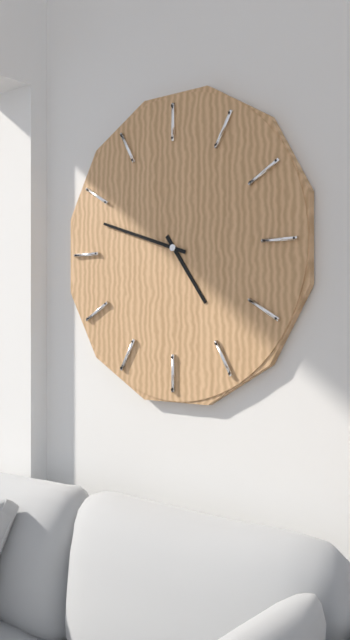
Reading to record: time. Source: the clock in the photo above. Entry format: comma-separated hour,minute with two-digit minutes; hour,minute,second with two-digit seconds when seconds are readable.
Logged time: 4,48
